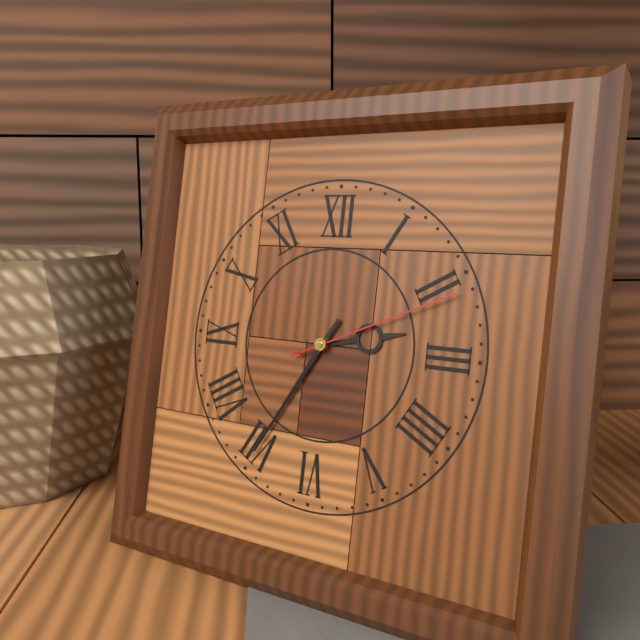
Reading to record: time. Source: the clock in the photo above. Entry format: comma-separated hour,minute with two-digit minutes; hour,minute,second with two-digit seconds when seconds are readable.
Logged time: 2,35,11
